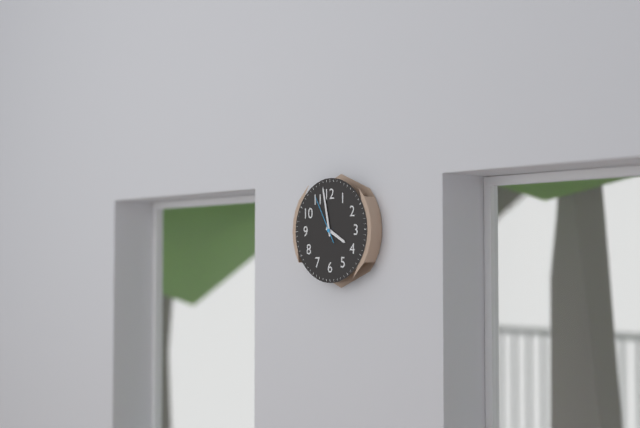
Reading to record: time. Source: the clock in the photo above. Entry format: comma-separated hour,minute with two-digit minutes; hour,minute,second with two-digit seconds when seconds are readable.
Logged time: 3,58
